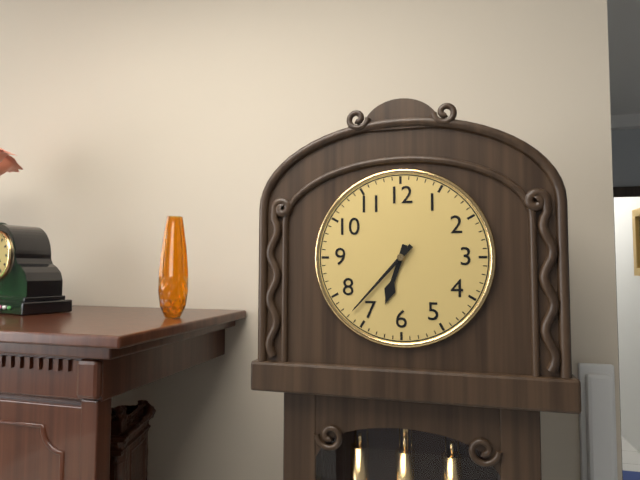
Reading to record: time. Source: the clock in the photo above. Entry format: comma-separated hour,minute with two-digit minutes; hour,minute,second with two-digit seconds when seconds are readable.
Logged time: 6,37
